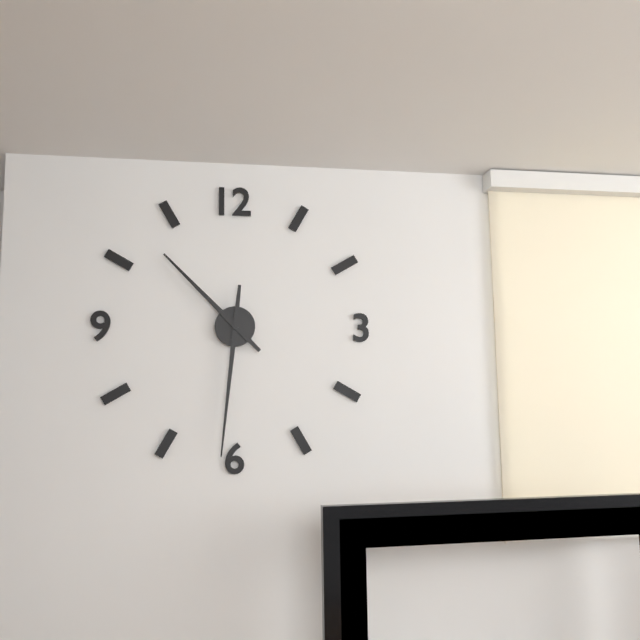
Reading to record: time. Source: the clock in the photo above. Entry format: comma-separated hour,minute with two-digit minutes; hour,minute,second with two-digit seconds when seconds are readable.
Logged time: 10,31
